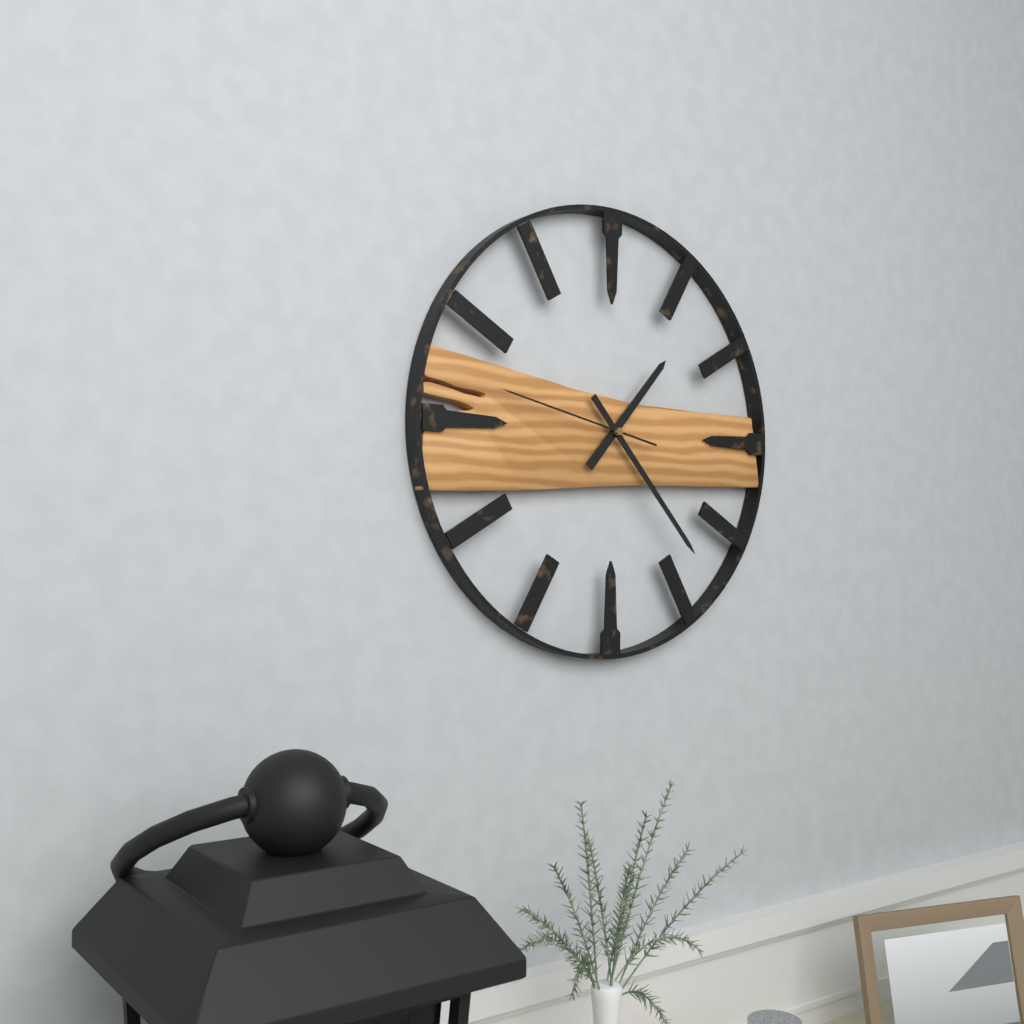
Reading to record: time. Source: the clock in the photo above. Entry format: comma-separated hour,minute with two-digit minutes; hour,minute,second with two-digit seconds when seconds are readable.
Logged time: 1,23,47
